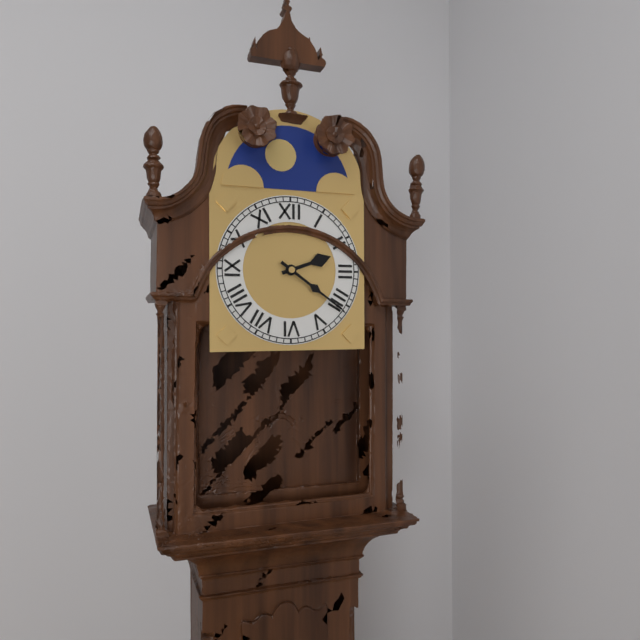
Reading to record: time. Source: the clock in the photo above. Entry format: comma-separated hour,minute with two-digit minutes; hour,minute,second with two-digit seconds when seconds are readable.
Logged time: 2,21
